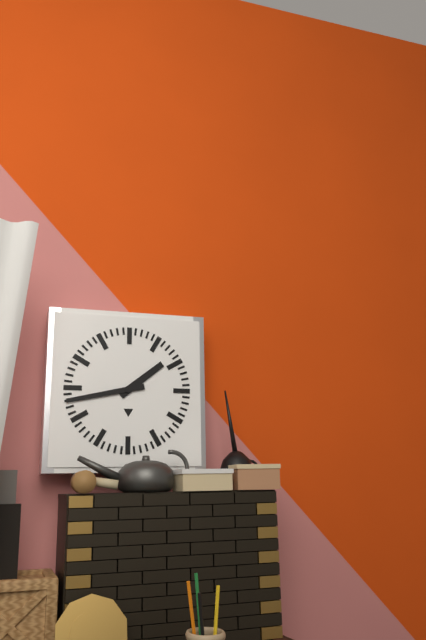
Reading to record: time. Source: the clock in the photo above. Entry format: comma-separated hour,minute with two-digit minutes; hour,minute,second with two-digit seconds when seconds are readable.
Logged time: 1,43
